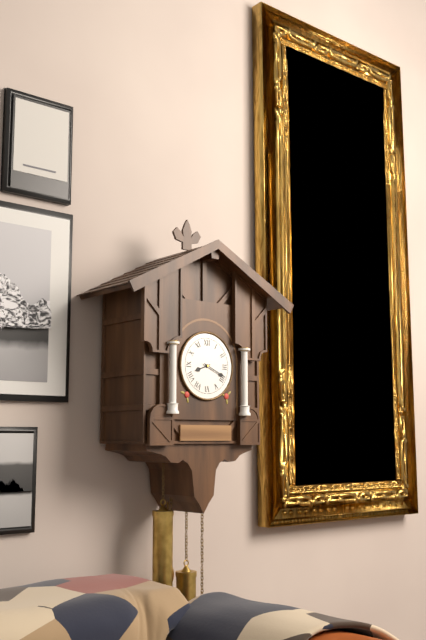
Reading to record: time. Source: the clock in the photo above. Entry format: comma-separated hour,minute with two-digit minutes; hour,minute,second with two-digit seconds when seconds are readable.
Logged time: 8,19
